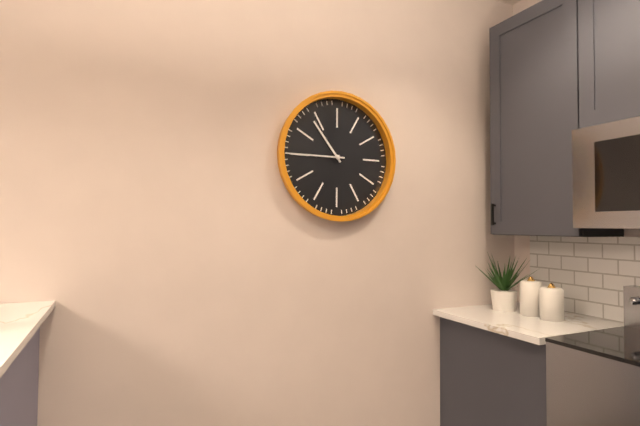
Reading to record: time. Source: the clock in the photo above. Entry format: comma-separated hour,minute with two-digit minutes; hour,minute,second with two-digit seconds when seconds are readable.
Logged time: 10,45
